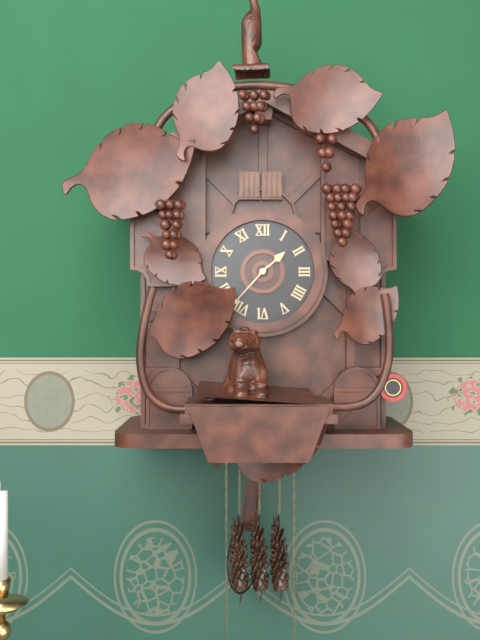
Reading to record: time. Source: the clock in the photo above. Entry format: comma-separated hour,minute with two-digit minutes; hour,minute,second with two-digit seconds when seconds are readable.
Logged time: 1,37
